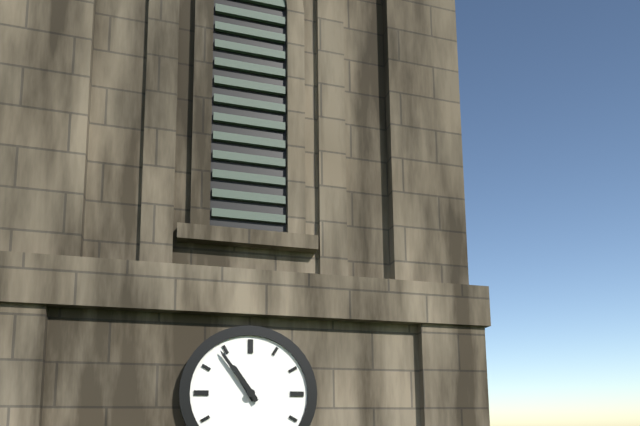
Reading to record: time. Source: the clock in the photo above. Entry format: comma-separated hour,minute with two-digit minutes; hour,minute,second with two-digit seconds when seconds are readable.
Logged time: 10,54
